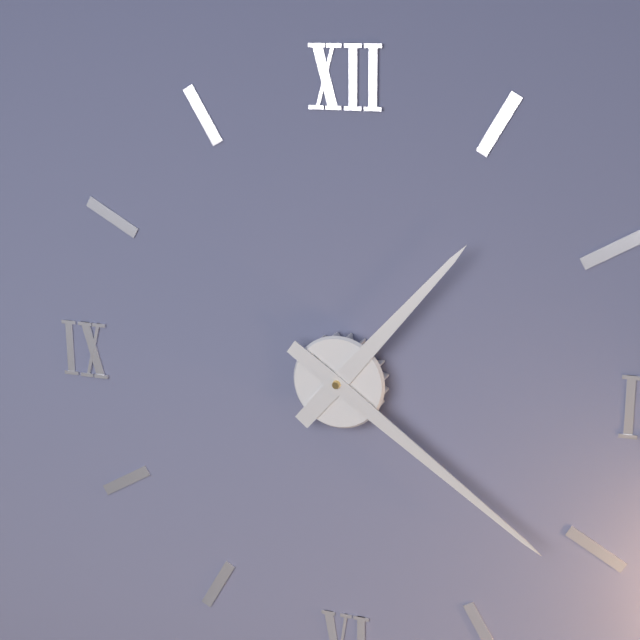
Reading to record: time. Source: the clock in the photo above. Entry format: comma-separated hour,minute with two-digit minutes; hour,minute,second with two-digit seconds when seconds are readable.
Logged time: 1,21
